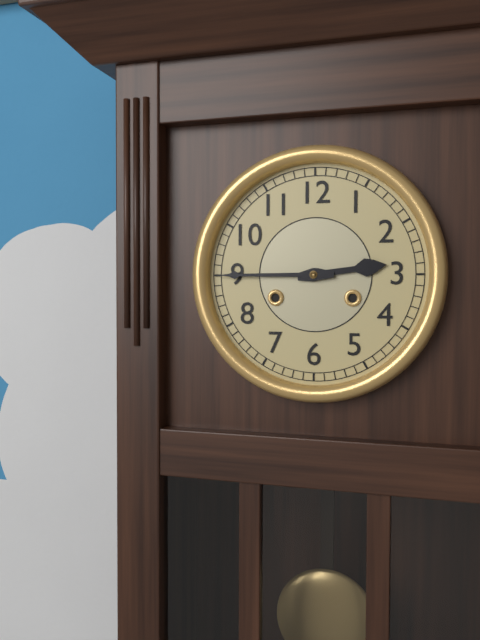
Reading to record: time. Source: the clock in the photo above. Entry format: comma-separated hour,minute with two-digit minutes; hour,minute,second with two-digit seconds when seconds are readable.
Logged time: 2,45
